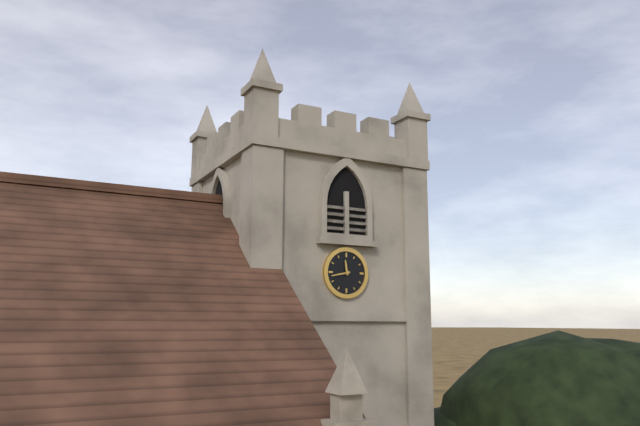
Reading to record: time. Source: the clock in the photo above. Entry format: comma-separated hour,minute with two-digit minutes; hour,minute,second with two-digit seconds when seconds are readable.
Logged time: 11,43
